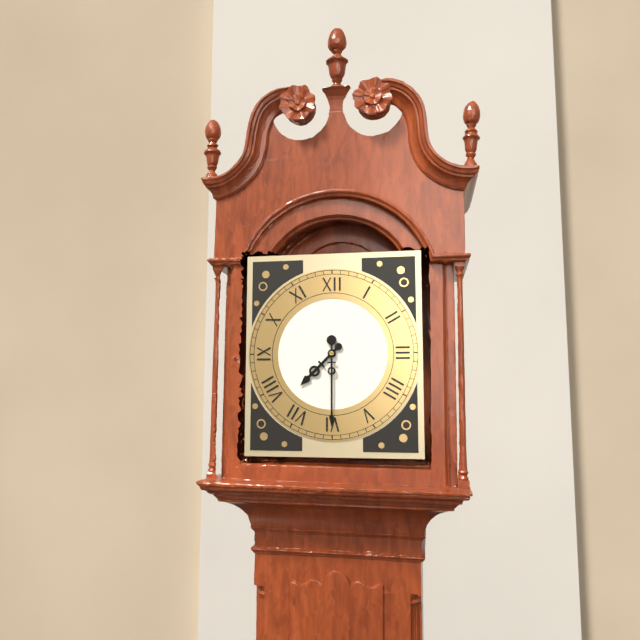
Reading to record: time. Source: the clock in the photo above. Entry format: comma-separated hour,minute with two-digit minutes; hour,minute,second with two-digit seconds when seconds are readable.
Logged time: 7,30
